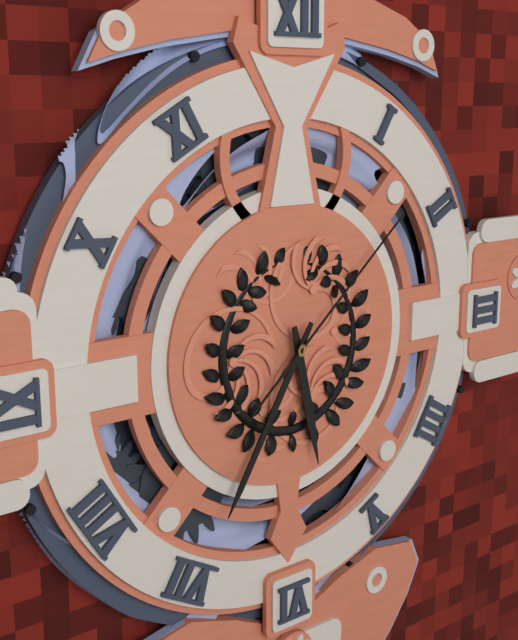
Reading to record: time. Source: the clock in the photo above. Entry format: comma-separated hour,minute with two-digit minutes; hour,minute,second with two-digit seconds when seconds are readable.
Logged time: 5,35,08
